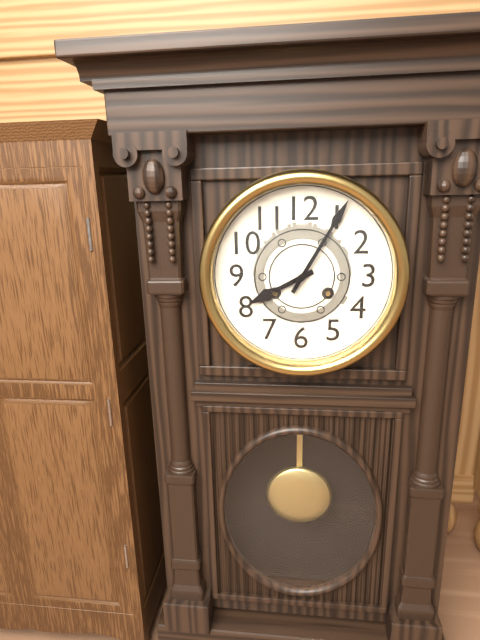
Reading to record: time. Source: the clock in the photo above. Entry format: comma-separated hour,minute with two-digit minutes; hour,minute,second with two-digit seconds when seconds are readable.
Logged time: 8,05
